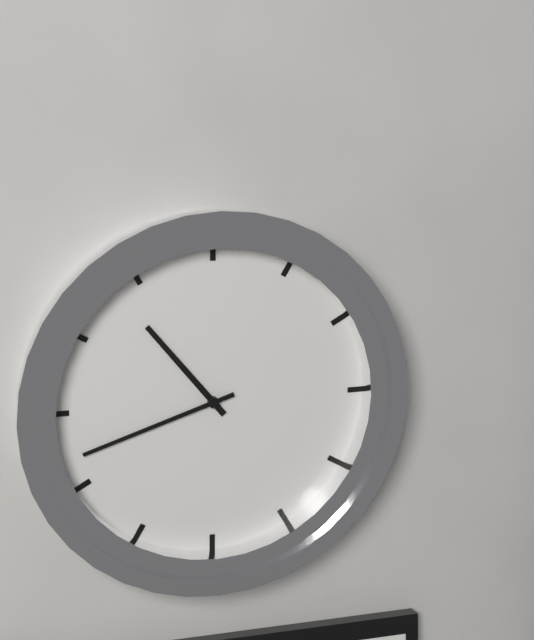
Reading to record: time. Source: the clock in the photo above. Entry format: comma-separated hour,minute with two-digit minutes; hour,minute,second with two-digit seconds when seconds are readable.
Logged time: 10,42
